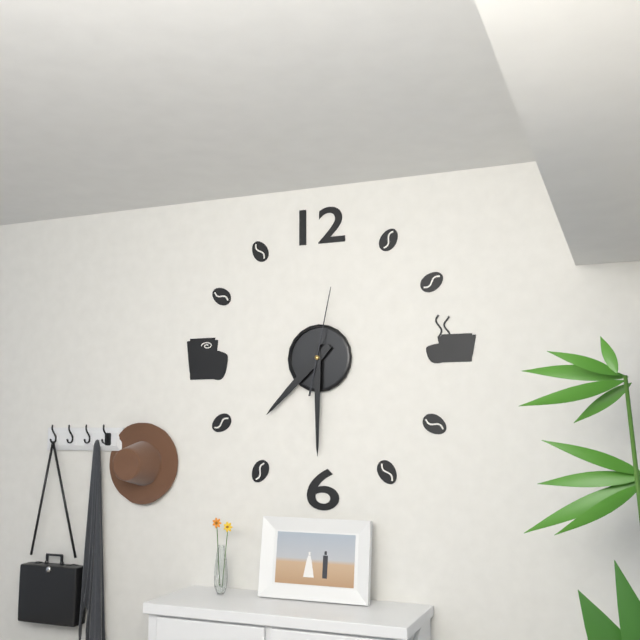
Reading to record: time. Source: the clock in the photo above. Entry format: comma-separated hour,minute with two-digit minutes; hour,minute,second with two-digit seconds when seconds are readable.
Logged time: 7,30,02
